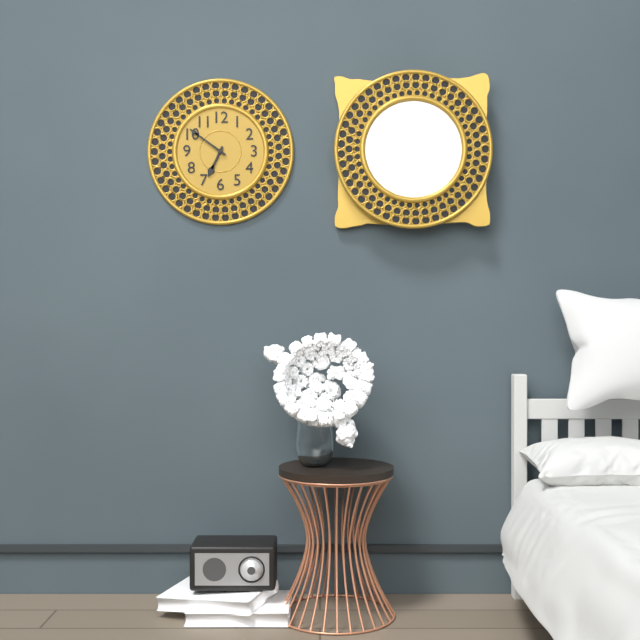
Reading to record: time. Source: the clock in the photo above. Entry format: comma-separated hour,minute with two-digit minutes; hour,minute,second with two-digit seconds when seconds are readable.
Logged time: 6,51
